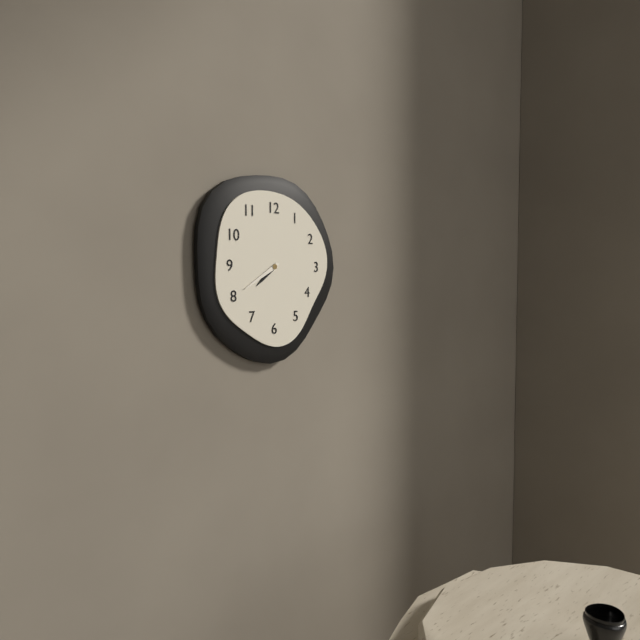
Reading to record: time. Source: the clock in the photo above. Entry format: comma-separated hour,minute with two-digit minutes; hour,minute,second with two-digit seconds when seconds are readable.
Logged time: 7,40
